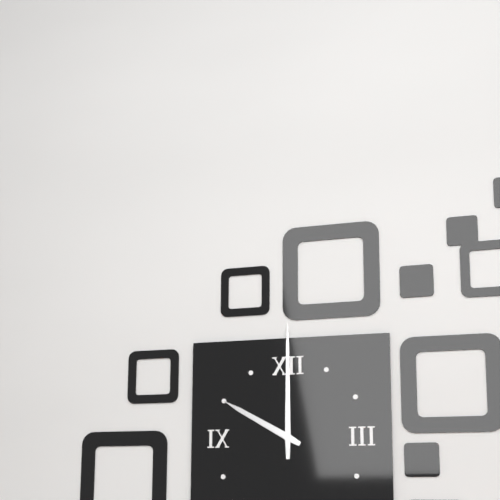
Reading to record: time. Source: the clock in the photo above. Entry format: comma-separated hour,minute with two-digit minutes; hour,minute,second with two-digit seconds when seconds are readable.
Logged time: 10,00
